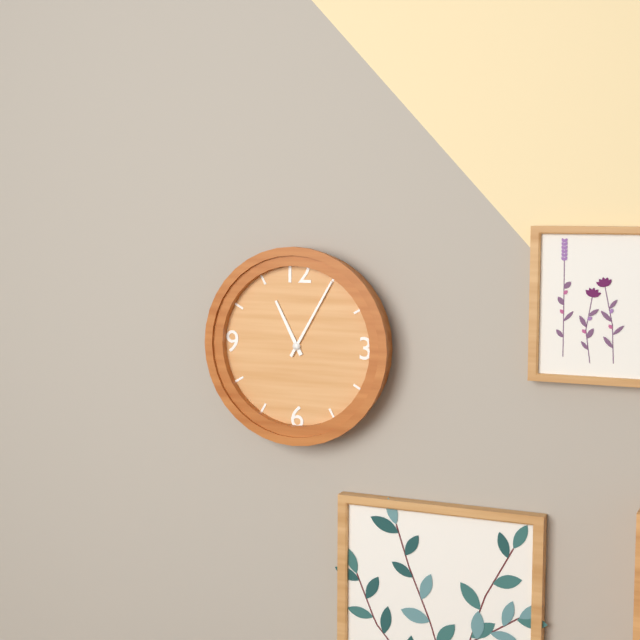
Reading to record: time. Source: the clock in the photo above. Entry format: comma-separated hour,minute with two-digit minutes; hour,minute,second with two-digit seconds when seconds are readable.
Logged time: 11,05
